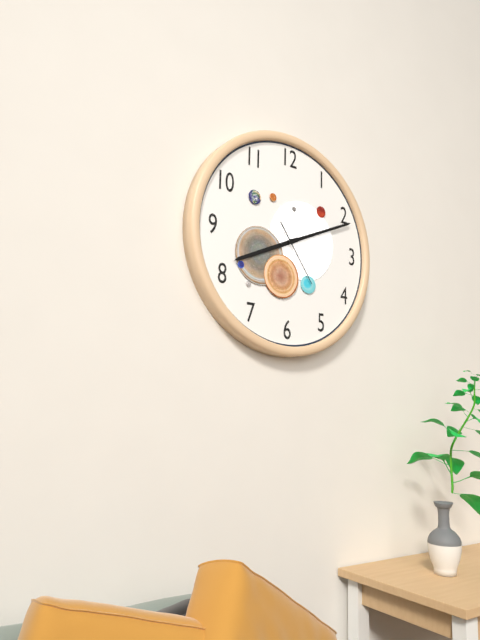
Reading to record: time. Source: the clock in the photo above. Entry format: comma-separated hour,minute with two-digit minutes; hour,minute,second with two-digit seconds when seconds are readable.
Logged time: 8,11,24
